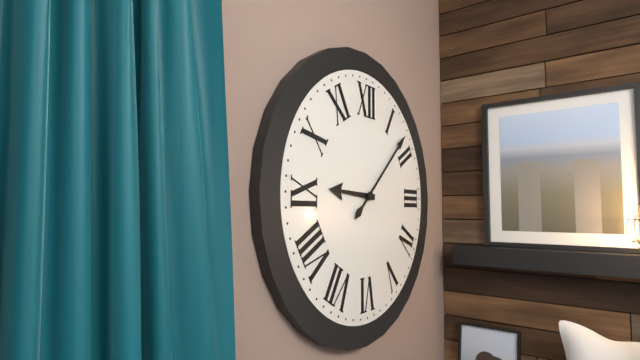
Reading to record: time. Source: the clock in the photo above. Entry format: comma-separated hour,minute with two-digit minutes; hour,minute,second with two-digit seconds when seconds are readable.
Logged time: 9,08
